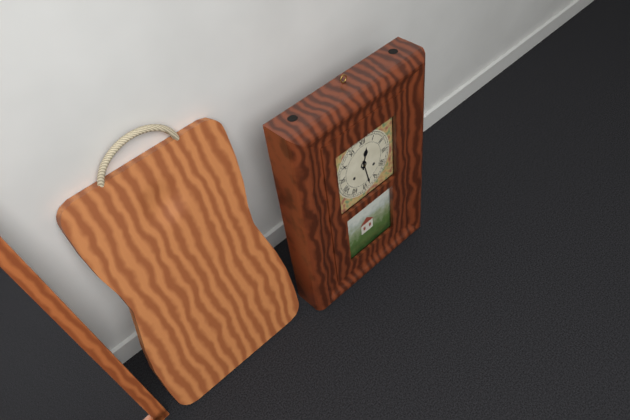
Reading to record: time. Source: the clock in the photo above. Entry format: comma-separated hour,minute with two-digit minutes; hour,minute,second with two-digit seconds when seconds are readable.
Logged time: 12,28
